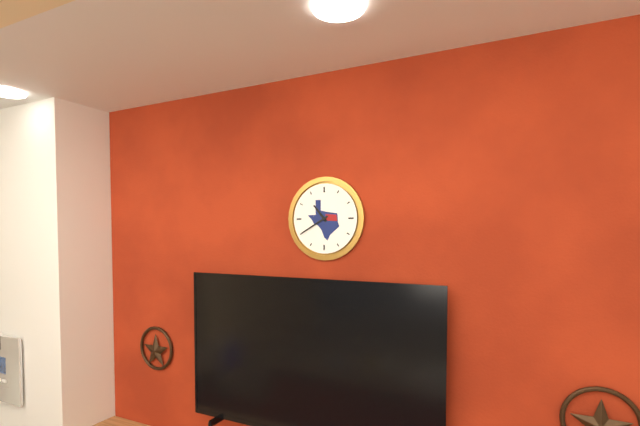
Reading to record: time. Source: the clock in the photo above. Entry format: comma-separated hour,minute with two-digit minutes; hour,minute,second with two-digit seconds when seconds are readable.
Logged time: 10,40
